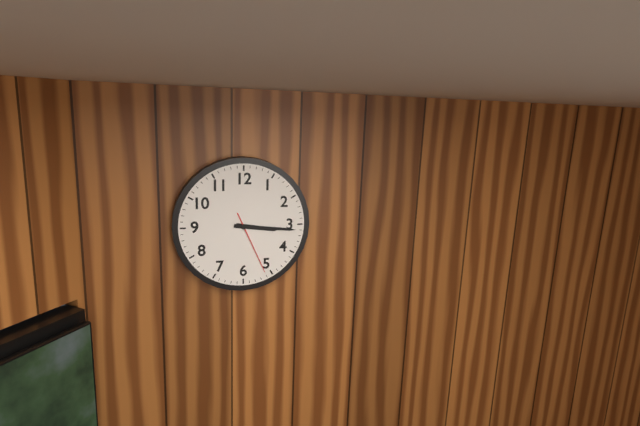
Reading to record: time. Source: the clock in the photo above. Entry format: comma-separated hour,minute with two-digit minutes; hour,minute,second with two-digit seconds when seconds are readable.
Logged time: 3,16,26
